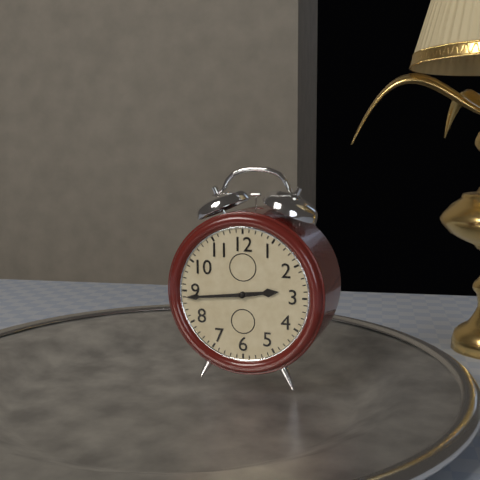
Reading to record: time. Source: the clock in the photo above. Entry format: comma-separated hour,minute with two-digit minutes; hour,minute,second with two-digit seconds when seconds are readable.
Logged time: 2,44
